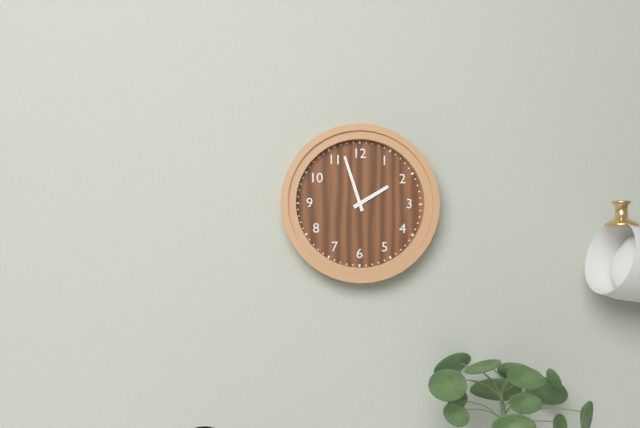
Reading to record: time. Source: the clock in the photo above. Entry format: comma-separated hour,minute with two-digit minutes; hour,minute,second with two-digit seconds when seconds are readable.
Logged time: 1,57
